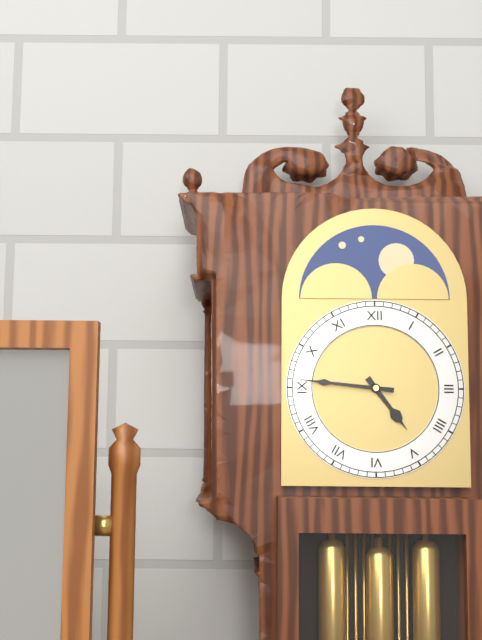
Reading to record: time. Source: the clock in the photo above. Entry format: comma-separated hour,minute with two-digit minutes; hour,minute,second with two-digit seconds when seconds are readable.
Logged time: 4,46
